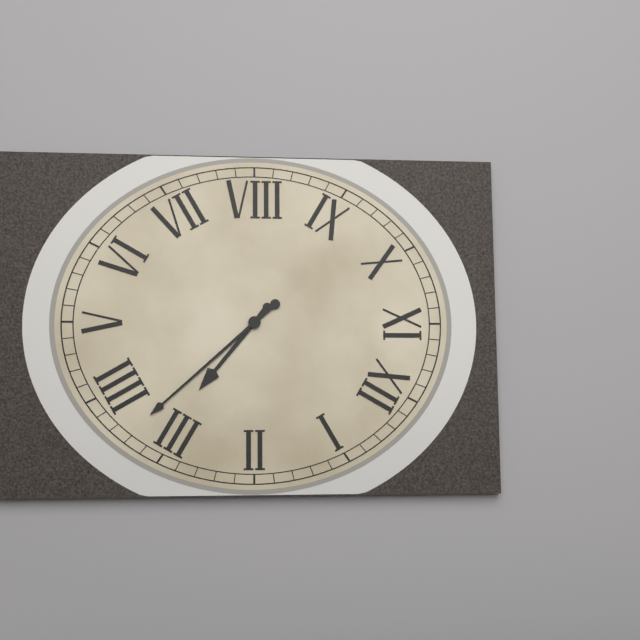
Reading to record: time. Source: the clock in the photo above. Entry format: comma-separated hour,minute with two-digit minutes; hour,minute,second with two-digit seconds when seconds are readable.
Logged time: 3,18
